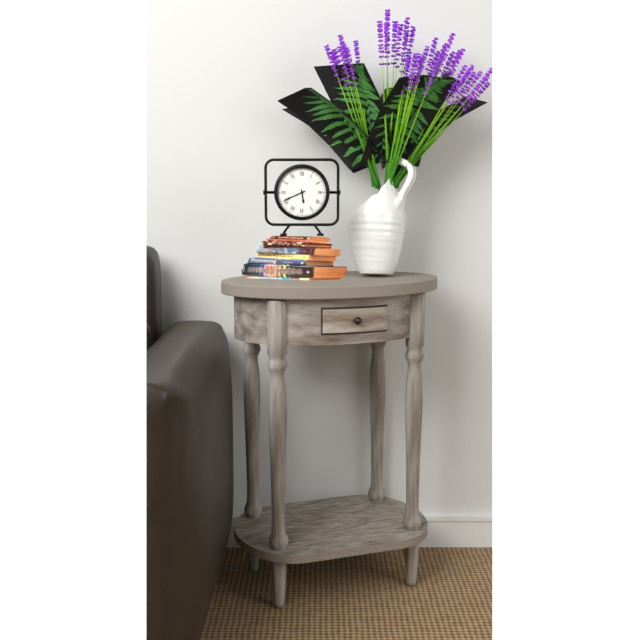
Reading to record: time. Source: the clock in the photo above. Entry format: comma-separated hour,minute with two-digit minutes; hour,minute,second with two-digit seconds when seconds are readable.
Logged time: 5,41
